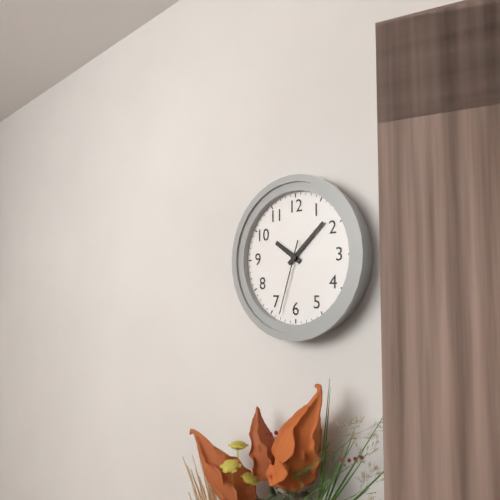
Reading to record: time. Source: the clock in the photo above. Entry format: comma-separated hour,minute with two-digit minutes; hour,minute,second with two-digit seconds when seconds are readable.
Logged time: 10,08,33
